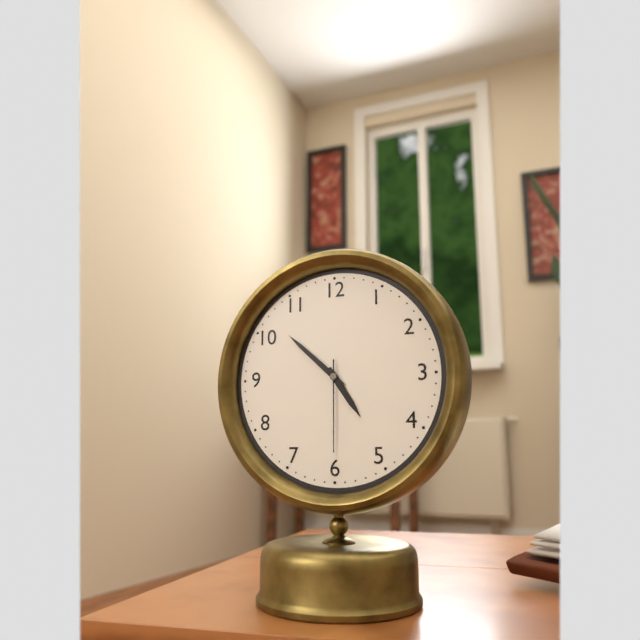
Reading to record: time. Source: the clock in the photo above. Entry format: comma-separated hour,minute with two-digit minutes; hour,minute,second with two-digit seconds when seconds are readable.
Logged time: 4,52,30
